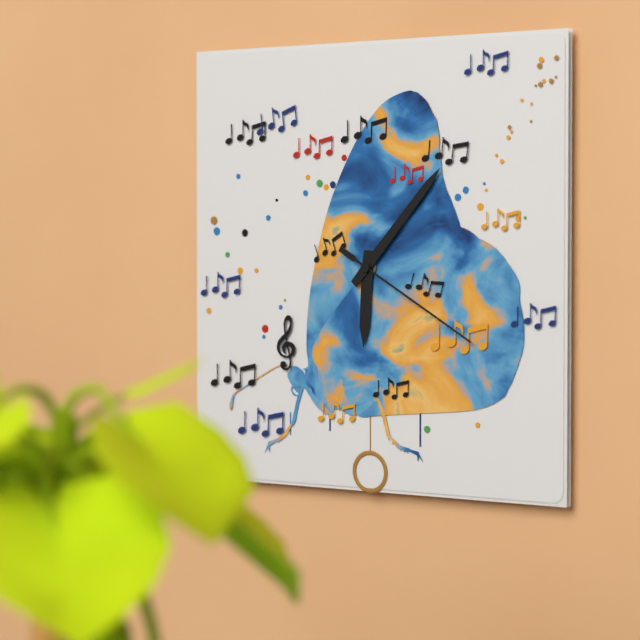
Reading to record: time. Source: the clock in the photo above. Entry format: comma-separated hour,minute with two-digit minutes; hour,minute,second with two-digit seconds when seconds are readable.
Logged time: 6,07,20
